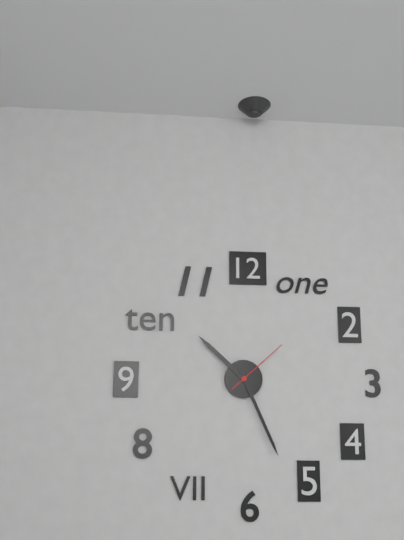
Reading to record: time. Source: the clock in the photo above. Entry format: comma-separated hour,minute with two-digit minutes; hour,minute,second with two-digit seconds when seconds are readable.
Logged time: 10,26,08
